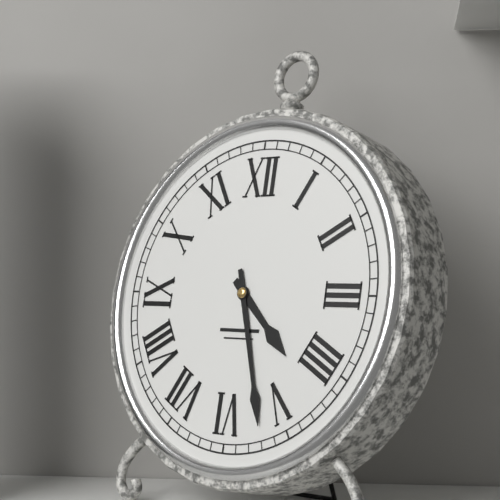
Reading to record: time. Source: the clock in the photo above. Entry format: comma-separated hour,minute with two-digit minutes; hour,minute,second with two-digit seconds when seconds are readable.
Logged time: 4,27
